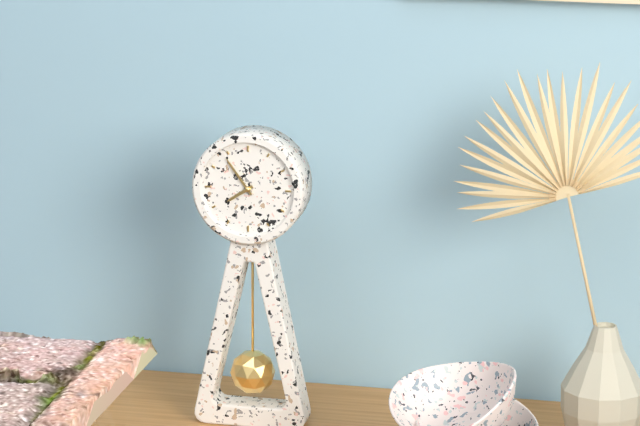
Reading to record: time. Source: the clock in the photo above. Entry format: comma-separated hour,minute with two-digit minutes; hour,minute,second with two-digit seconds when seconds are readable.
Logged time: 7,54
